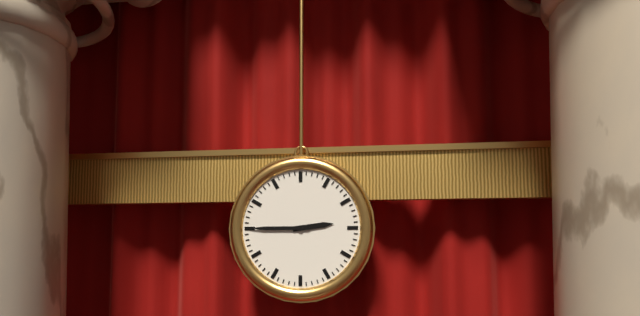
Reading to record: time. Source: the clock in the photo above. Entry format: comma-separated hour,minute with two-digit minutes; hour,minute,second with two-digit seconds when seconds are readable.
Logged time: 2,45
